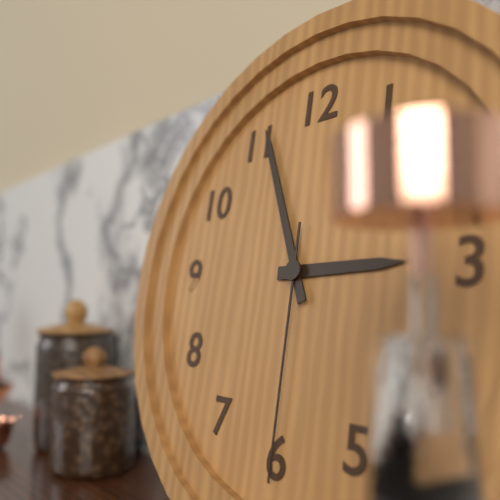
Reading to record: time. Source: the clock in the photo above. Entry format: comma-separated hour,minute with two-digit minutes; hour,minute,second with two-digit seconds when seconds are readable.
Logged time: 2,56,30
